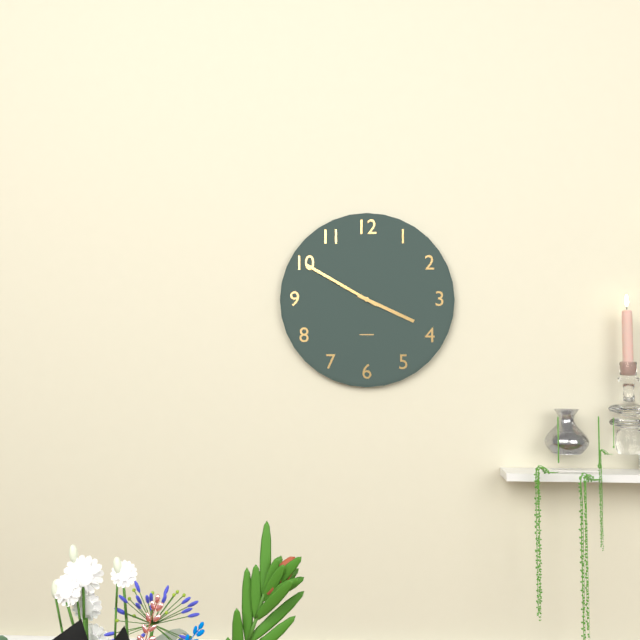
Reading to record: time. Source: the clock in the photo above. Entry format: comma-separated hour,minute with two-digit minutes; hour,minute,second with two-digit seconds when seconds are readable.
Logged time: 3,50
